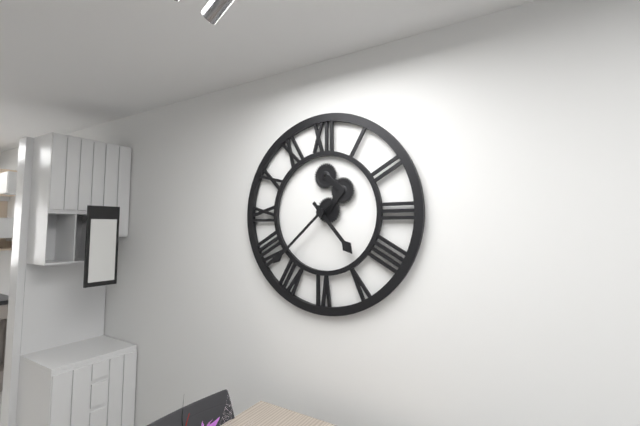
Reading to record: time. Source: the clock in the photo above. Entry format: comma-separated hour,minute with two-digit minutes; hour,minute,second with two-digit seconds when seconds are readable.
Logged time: 4,38
